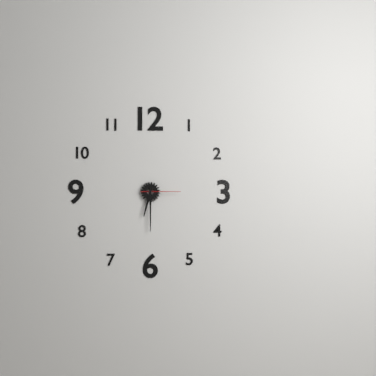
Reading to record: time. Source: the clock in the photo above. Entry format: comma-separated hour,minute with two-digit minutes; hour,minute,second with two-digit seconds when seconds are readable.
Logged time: 6,30
